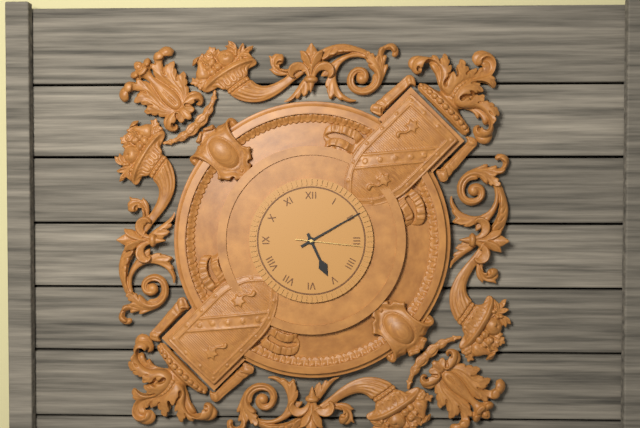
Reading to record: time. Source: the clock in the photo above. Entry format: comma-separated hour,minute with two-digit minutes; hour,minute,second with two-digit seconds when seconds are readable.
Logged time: 5,10,16
